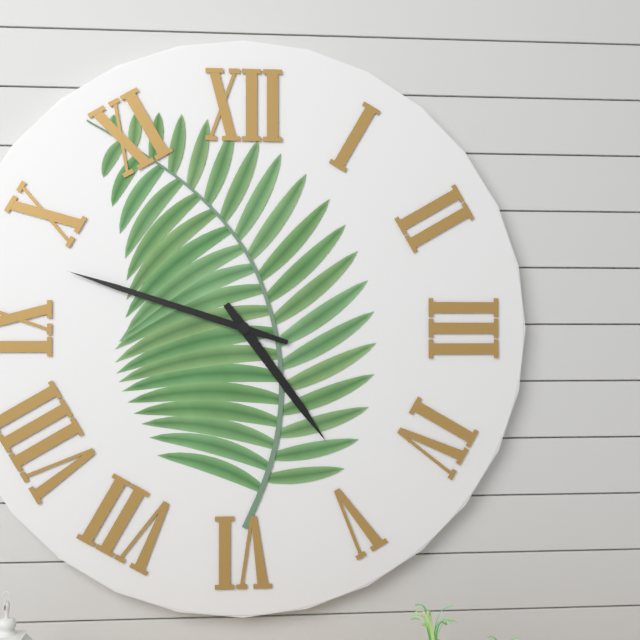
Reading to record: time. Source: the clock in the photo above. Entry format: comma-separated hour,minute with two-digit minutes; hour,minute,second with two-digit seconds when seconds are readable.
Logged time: 4,48
